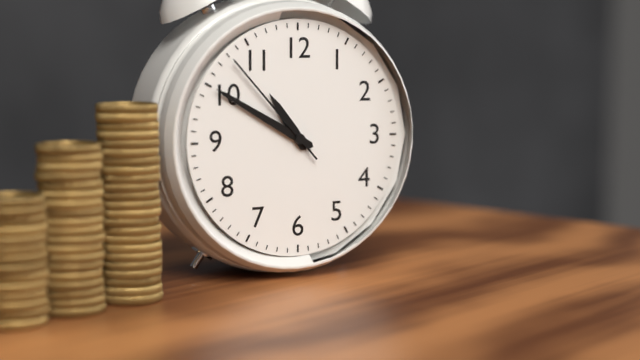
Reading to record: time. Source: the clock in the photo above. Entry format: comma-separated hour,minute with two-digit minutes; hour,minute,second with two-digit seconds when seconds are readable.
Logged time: 10,50,53
